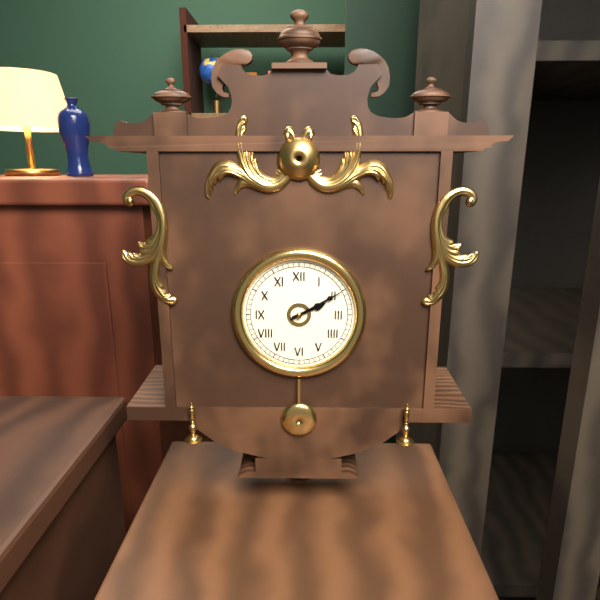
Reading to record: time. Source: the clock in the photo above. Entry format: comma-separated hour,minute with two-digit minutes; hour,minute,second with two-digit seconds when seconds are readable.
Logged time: 2,10
